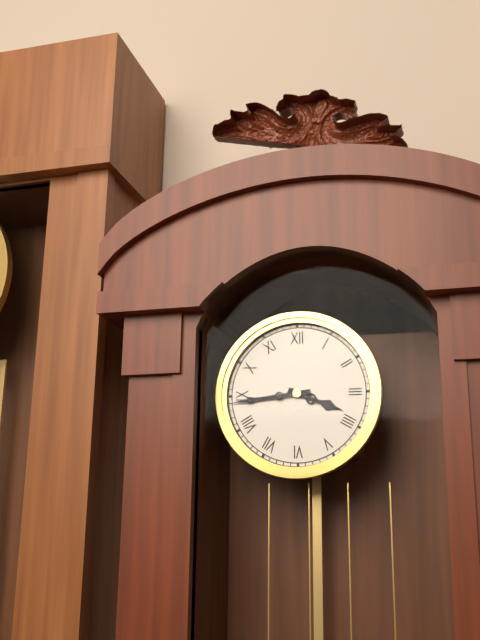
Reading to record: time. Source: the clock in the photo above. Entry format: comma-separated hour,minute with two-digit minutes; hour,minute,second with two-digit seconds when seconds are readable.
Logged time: 3,44
